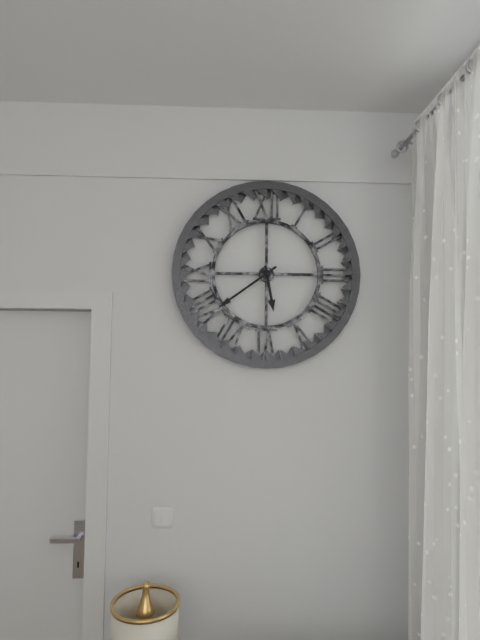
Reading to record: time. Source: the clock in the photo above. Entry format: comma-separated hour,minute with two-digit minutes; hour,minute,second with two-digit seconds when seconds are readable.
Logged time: 5,39
